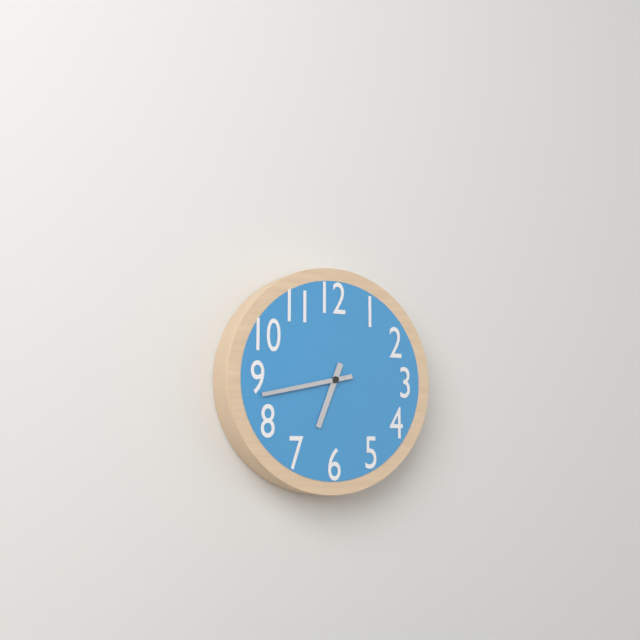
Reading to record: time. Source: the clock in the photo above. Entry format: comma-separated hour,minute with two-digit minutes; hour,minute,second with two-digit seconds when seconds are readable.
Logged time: 6,43
